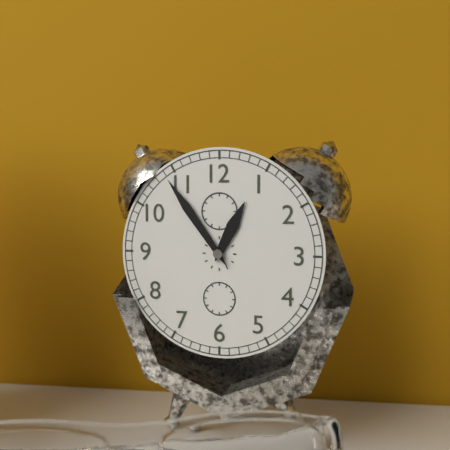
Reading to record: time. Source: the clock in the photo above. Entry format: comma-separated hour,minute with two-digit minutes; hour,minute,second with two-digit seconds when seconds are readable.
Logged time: 12,54
